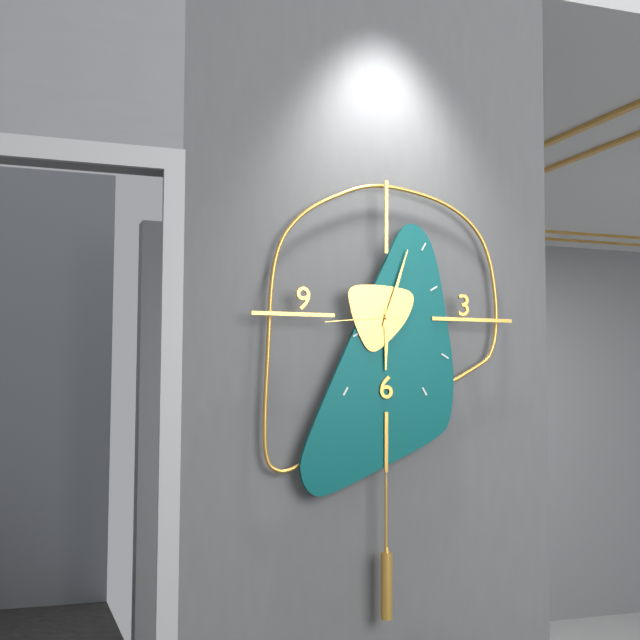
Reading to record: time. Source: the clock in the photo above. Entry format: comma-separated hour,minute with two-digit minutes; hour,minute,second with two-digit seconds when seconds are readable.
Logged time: 6,03,44
